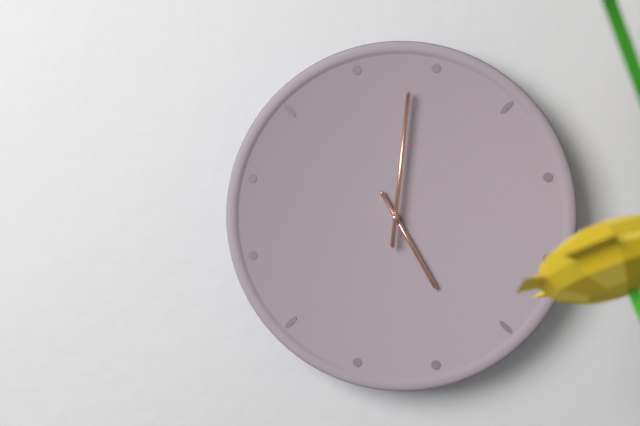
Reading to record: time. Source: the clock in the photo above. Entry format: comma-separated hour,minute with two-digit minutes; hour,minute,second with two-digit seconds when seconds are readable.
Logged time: 5,01
